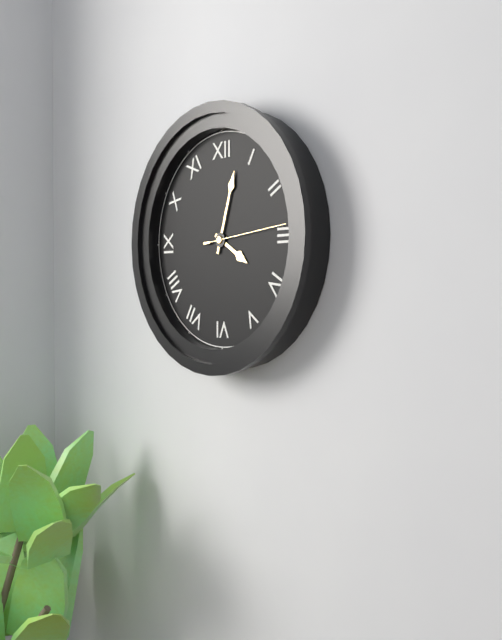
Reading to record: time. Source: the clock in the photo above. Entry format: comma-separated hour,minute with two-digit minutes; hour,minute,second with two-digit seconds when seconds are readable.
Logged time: 4,03,14
